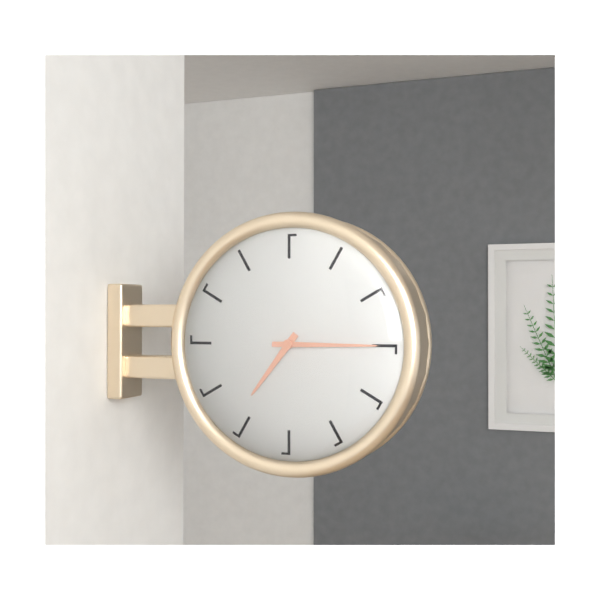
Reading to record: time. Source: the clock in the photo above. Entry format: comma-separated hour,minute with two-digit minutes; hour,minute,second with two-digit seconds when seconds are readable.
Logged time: 7,15
